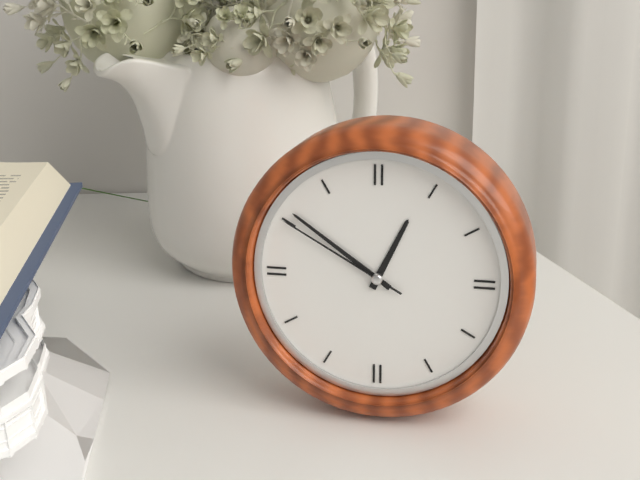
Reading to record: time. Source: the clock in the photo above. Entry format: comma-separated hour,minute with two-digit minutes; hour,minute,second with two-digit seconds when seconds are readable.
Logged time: 12,51,50
